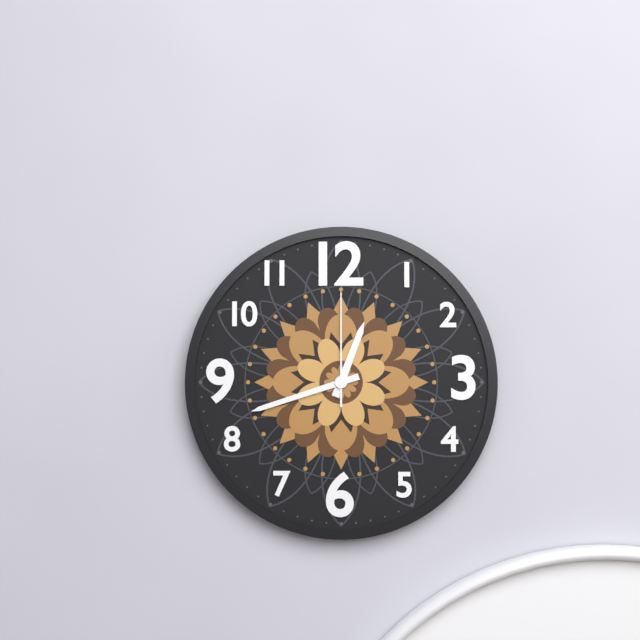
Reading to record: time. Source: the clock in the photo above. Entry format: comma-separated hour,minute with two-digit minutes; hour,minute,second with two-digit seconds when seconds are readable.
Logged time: 12,42,00
